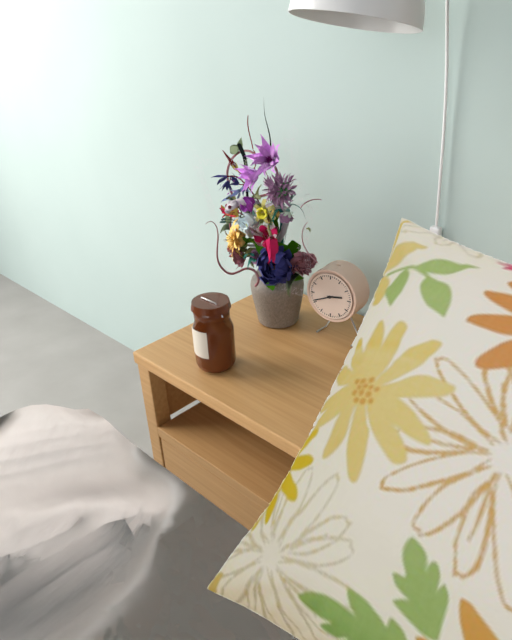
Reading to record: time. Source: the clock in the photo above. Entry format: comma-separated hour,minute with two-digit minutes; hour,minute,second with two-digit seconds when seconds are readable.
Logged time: 2,41
